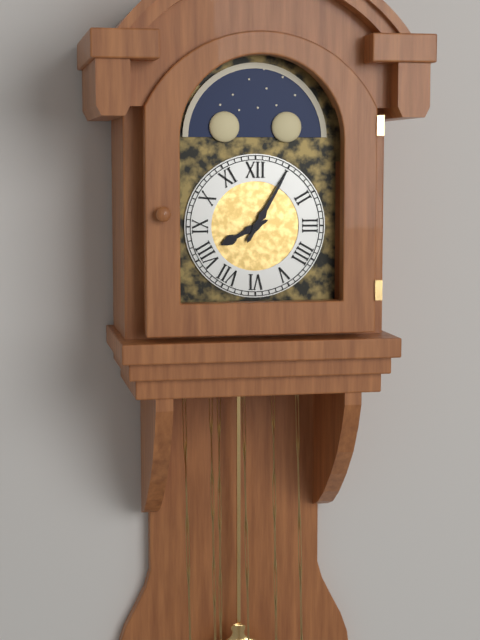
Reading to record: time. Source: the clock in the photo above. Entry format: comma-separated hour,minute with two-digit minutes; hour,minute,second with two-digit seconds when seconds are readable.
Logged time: 8,05
